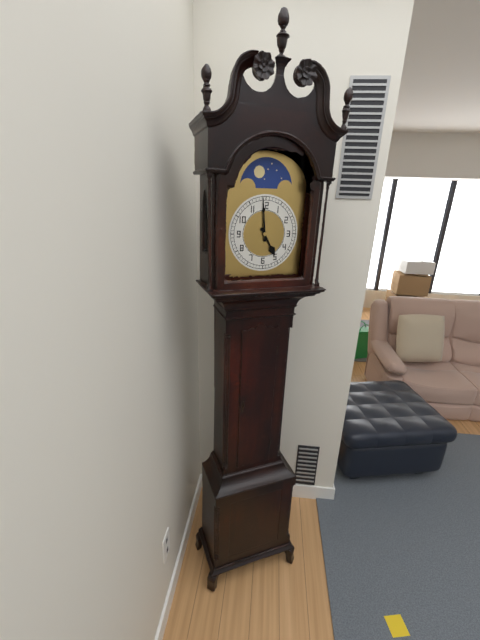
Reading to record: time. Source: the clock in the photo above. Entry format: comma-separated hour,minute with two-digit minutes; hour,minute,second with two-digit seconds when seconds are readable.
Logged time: 4,59
